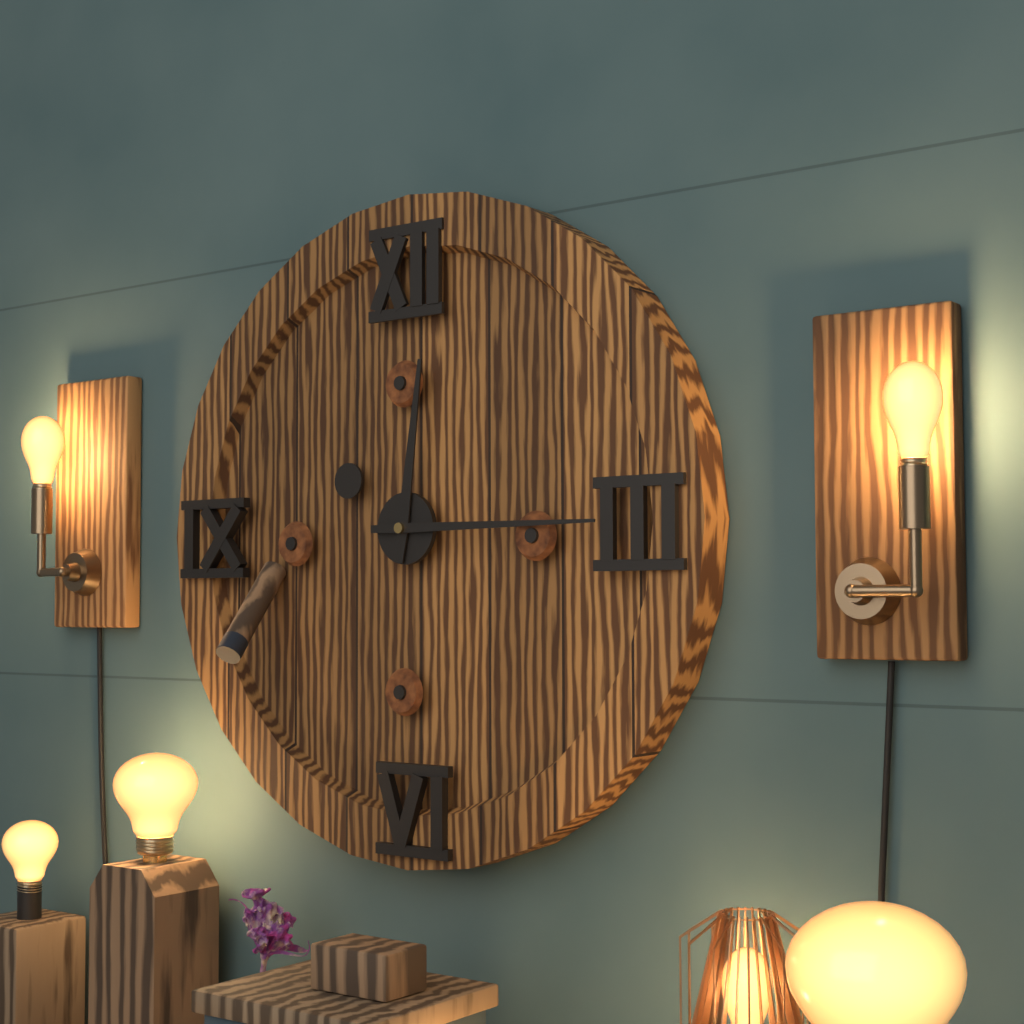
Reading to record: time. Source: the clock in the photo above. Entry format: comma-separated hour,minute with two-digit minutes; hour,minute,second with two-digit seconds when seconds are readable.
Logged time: 12,15
